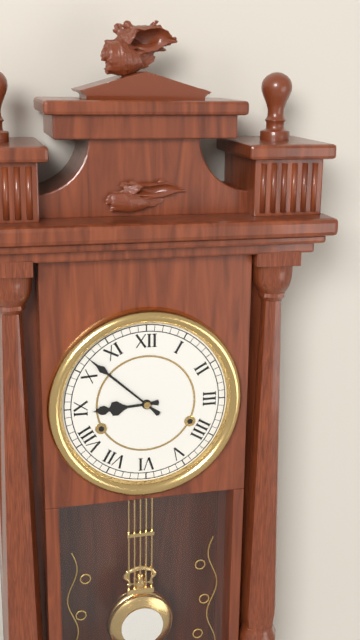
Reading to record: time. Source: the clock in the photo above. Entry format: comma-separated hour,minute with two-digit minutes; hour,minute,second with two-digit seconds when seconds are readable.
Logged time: 8,52
